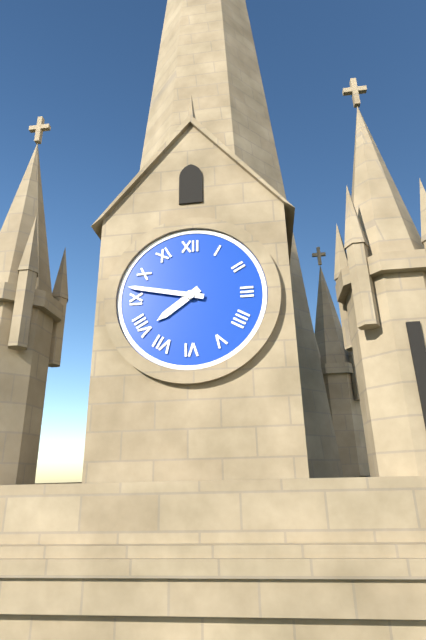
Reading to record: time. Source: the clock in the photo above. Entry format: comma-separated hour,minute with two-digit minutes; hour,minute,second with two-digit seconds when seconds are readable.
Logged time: 7,47
